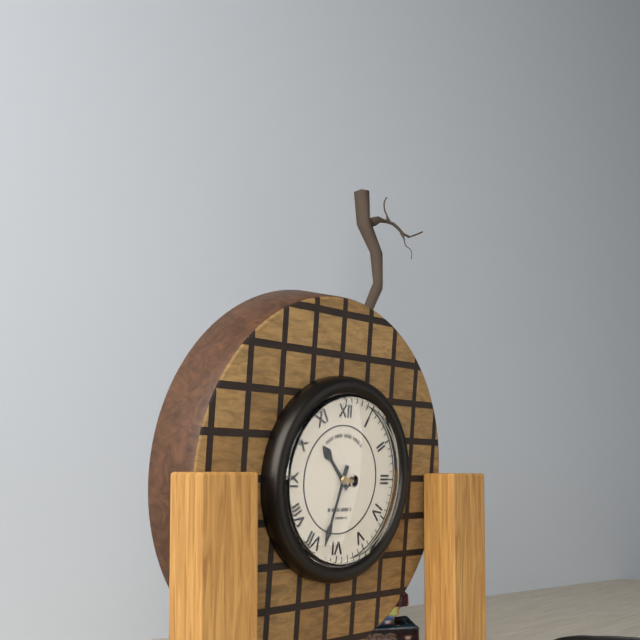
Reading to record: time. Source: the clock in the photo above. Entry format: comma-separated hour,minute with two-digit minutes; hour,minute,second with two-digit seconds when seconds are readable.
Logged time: 10,33
